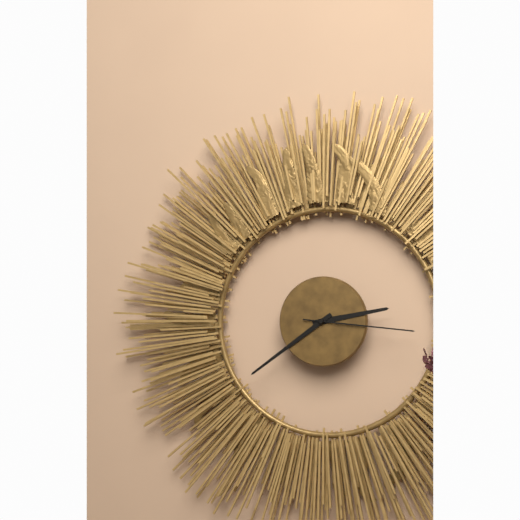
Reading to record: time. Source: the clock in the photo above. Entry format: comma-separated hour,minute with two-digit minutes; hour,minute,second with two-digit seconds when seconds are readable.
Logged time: 2,39,16
